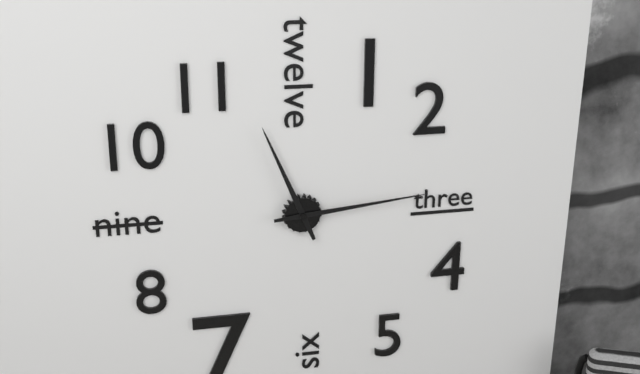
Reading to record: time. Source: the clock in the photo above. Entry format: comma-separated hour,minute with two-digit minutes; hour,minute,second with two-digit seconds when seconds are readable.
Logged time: 11,14
